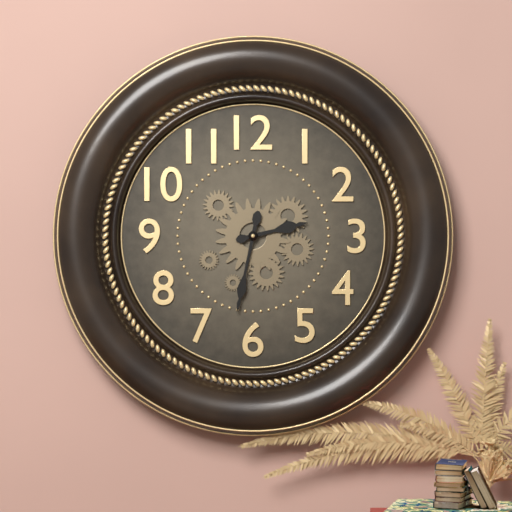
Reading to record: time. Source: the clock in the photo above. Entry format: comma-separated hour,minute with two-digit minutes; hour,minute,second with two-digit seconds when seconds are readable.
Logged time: 2,32
